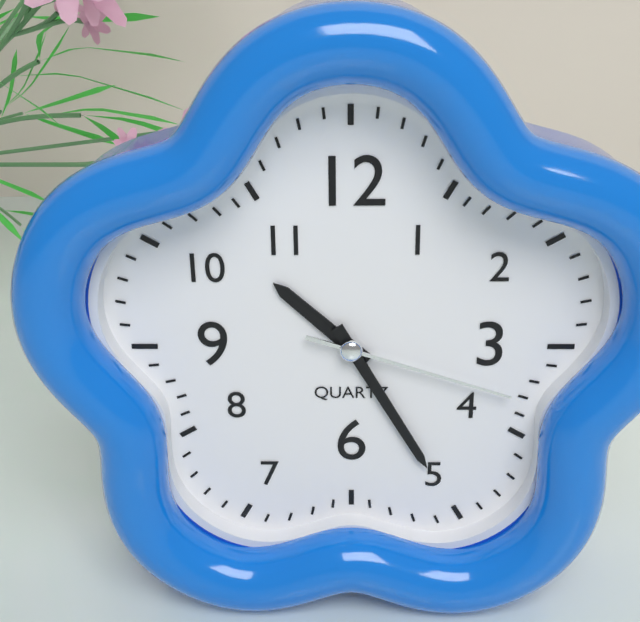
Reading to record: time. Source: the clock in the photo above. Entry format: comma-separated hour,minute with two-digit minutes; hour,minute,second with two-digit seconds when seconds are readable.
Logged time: 10,25,18
